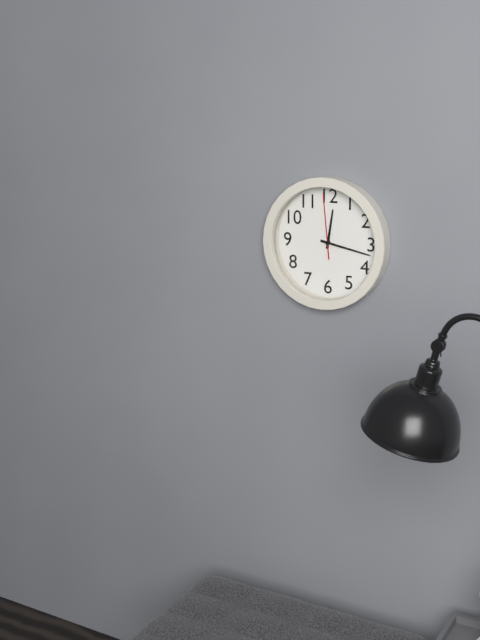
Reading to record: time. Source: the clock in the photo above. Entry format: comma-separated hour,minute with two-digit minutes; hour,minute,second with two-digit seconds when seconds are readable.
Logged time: 12,17,59
